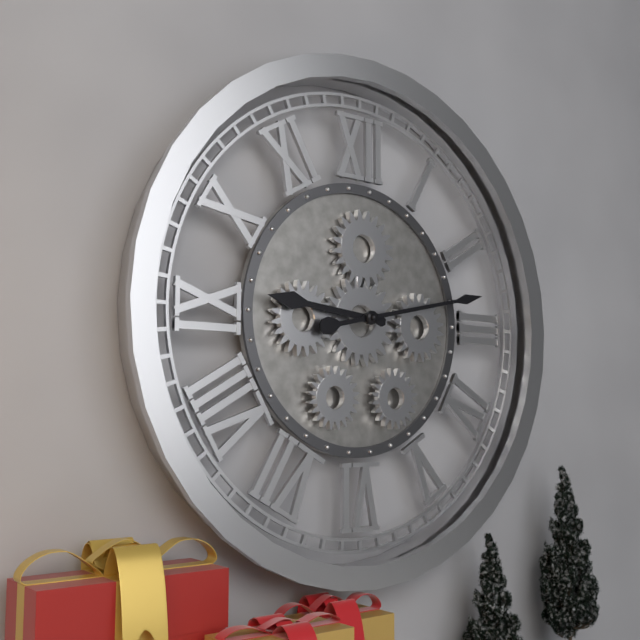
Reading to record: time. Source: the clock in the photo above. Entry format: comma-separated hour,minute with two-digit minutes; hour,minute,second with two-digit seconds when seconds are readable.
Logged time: 9,13
